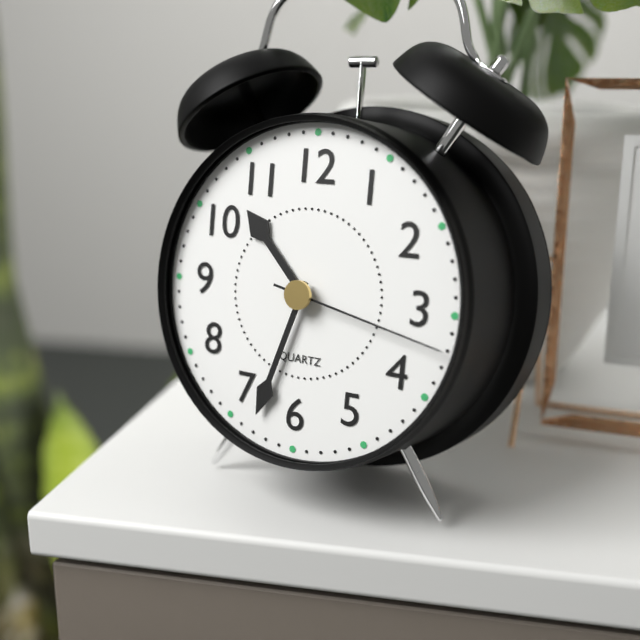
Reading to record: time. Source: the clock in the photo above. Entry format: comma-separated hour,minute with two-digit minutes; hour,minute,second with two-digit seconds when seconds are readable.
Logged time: 10,33,17
